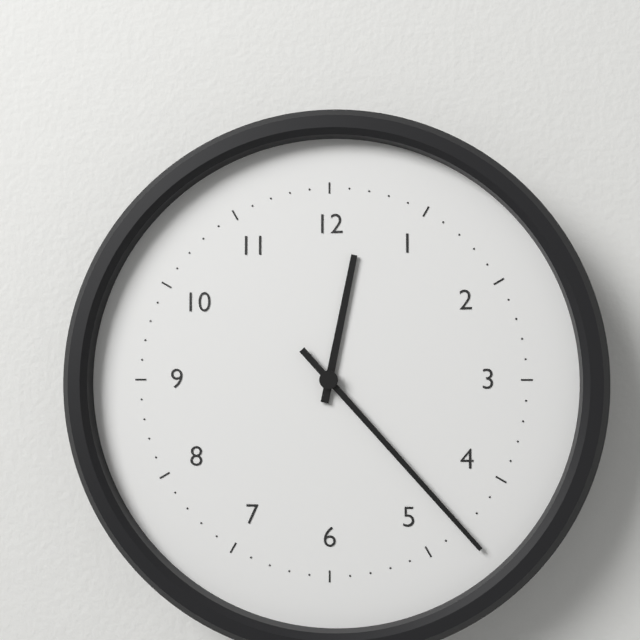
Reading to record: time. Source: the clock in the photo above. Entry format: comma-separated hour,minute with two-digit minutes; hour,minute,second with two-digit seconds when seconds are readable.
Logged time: 12,23
